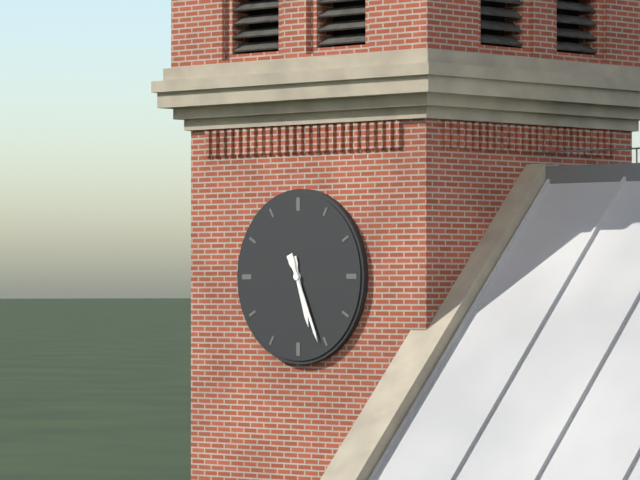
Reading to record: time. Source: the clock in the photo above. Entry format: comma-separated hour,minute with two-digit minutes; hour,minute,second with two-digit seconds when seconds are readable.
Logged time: 5,26
